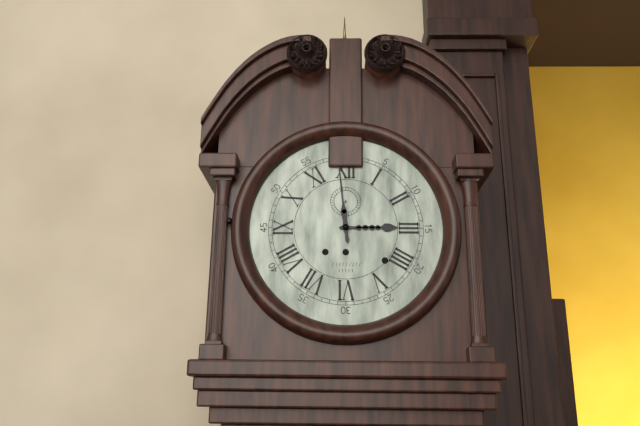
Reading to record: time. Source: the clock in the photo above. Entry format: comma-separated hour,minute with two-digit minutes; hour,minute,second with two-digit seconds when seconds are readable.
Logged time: 2,59
